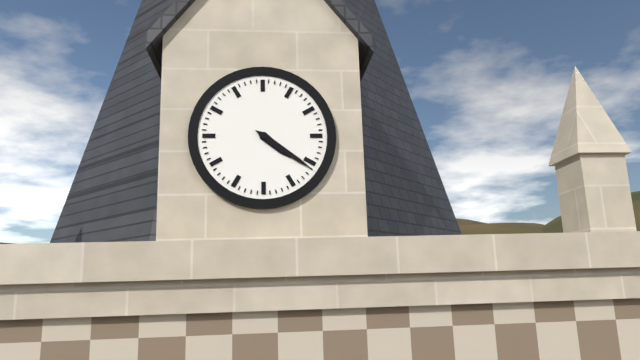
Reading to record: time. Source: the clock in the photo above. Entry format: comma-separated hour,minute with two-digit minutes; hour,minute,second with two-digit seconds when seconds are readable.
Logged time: 4,21
